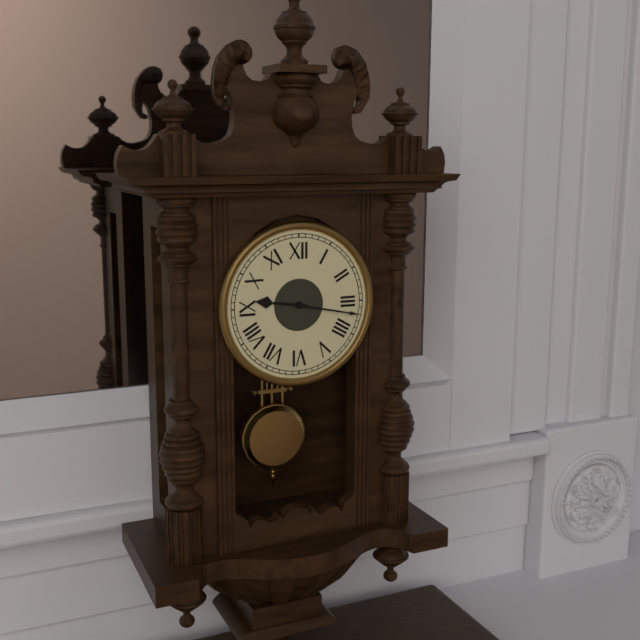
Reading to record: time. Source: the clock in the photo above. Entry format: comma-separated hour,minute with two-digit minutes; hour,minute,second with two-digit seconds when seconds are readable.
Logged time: 9,17
